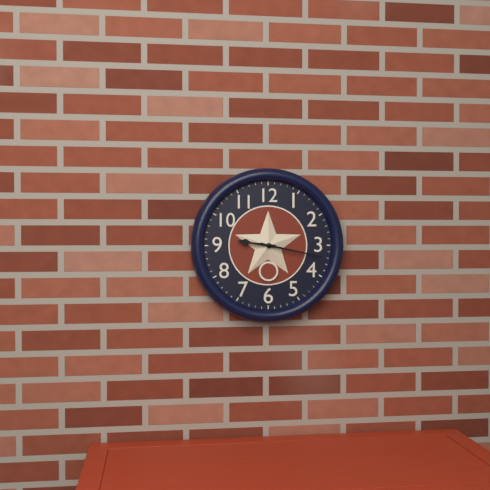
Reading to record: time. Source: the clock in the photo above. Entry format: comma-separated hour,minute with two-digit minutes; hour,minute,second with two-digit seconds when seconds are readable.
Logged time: 9,17
